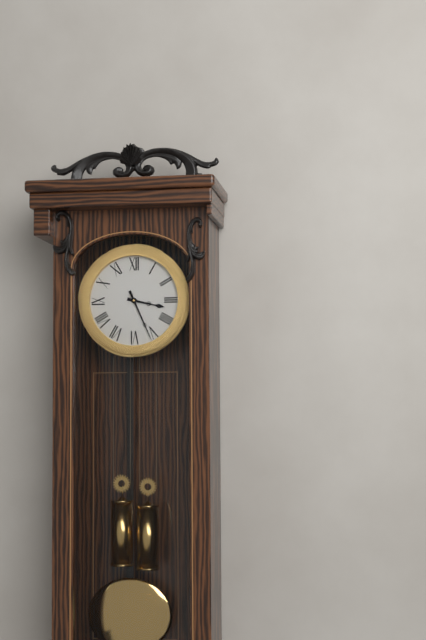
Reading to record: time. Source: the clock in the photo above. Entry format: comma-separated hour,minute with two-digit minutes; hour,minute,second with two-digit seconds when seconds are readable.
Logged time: 3,26
